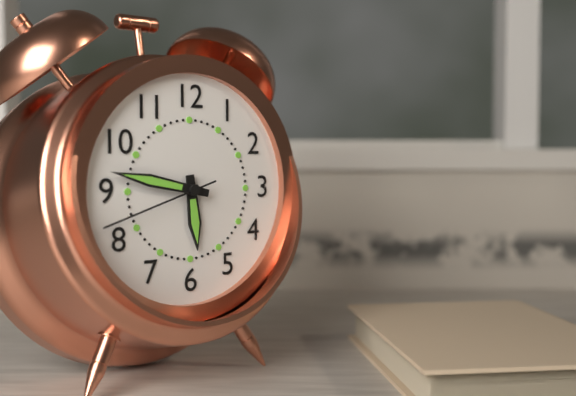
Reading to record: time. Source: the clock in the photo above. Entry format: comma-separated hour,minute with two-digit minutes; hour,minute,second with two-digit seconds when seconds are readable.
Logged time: 5,47,42
